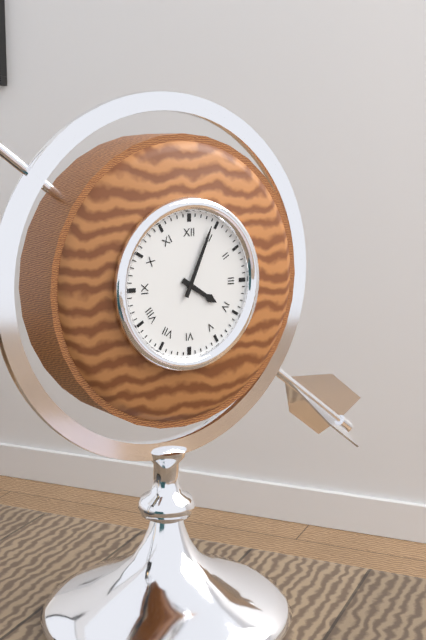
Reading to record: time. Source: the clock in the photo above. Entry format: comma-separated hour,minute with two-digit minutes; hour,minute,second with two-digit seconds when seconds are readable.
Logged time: 4,04
